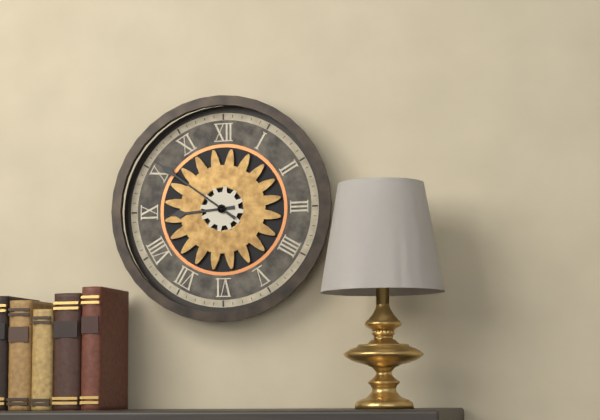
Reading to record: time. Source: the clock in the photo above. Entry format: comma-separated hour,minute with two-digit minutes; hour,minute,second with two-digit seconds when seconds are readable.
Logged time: 8,51
